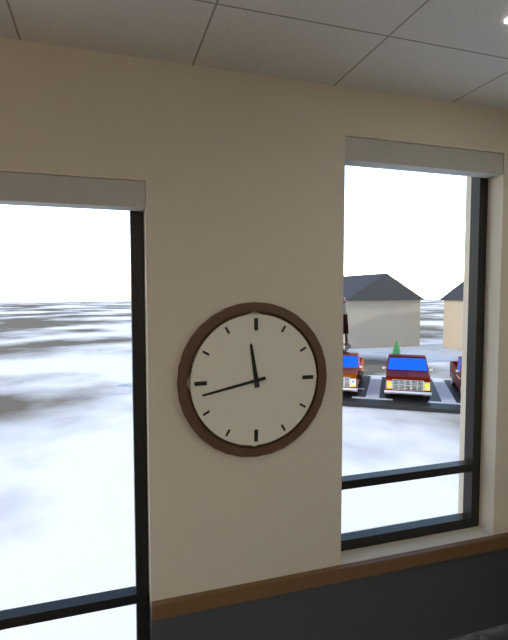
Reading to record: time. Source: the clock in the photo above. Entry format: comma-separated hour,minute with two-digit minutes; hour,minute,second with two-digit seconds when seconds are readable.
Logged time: 11,43
